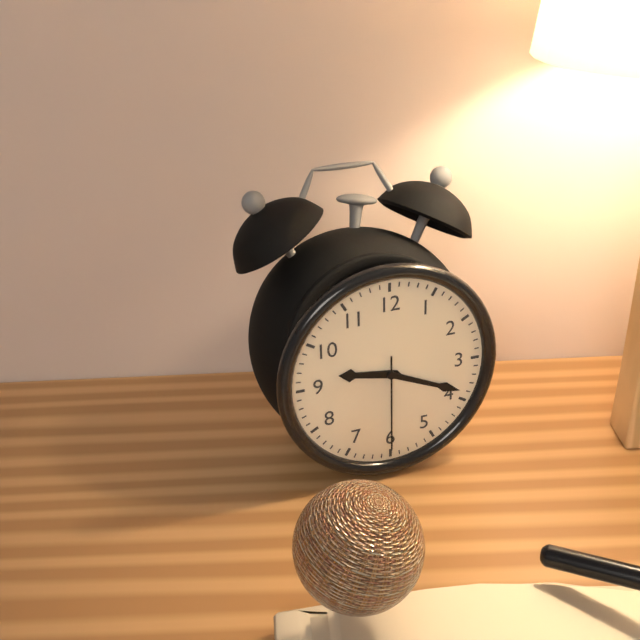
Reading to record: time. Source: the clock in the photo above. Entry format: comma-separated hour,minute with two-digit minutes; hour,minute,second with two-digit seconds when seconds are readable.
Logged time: 9,19,30
